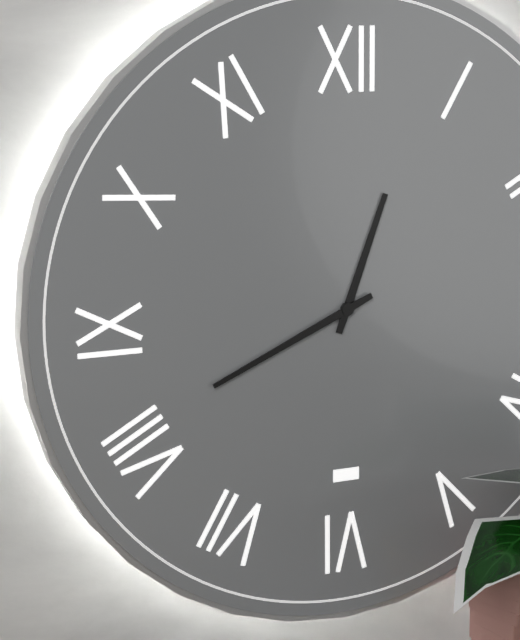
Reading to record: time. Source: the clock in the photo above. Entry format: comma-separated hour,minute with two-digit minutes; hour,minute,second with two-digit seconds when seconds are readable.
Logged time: 12,41
